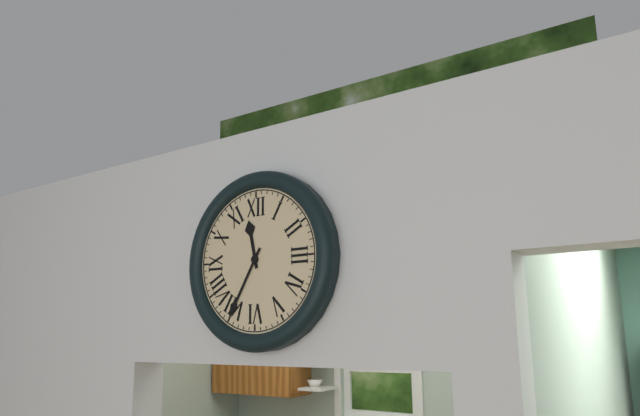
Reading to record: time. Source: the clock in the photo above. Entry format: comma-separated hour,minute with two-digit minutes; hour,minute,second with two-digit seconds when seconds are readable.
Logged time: 11,35
